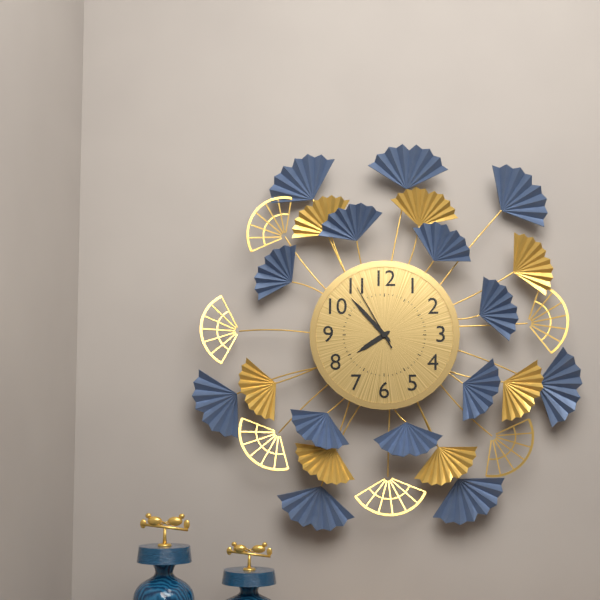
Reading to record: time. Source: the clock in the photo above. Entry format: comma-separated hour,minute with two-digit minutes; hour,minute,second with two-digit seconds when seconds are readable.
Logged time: 7,53,55
